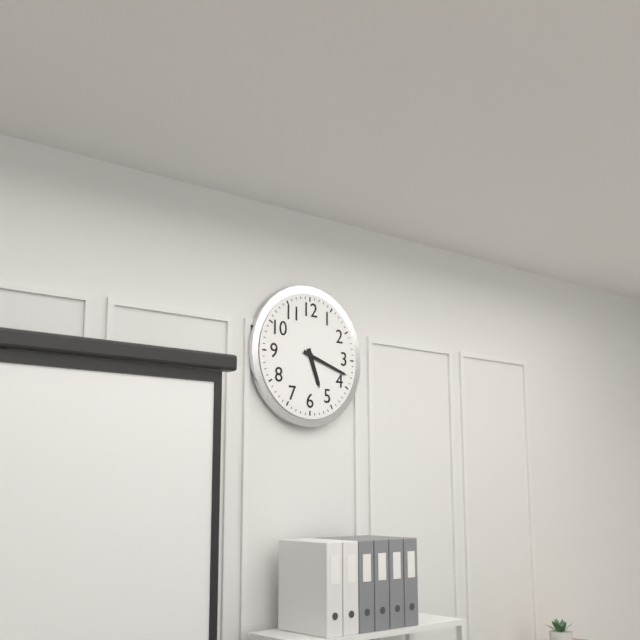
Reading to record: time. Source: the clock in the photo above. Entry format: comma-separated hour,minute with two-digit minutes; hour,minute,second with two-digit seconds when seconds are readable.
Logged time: 5,18
